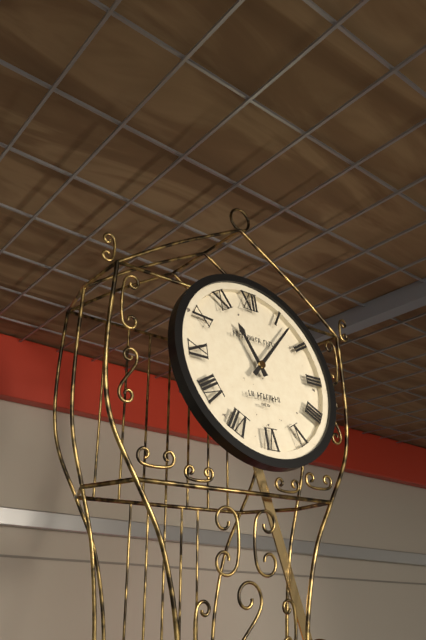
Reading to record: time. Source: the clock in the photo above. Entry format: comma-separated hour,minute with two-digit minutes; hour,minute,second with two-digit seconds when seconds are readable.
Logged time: 11,07
